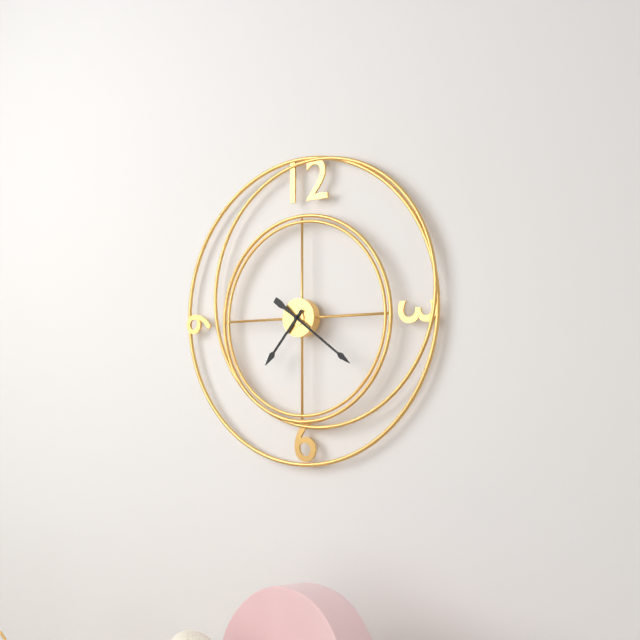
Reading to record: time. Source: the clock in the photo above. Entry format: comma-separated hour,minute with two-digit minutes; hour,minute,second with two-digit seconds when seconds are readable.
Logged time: 7,21
